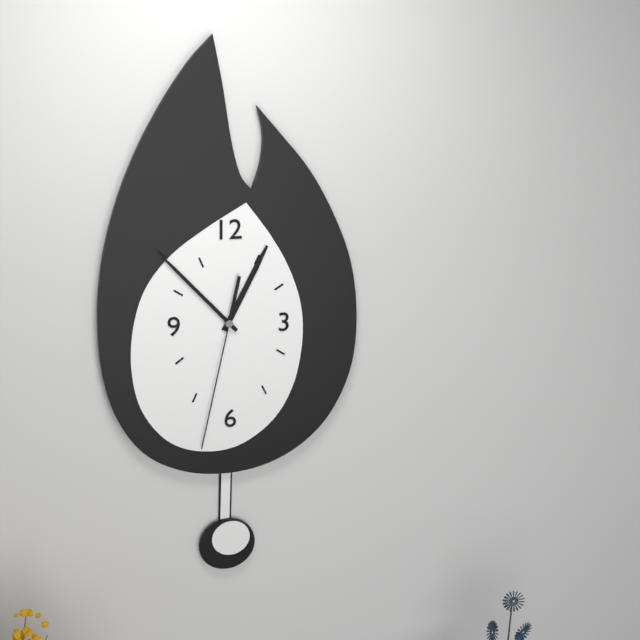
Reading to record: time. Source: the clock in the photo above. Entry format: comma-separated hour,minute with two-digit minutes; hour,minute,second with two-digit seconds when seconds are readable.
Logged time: 12,53,32
